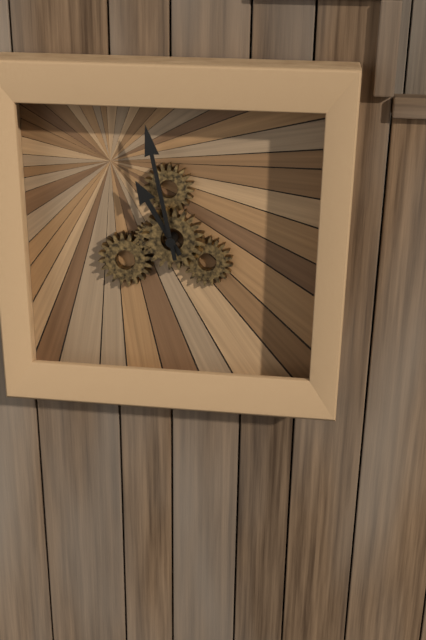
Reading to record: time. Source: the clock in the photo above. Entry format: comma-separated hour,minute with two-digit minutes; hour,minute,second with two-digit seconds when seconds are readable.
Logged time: 10,58
